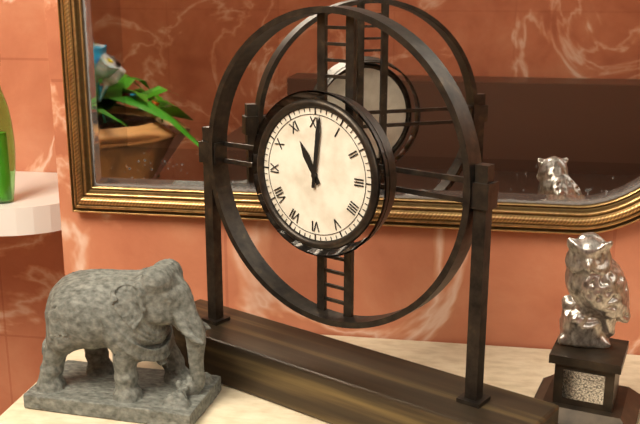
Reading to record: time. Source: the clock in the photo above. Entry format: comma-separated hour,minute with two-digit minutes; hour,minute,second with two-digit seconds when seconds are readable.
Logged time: 11,01
